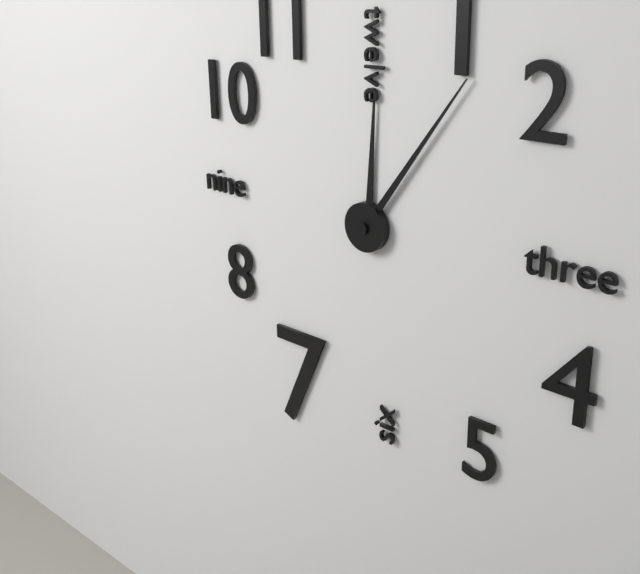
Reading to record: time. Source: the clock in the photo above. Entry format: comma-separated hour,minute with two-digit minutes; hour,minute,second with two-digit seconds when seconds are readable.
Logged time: 12,06
